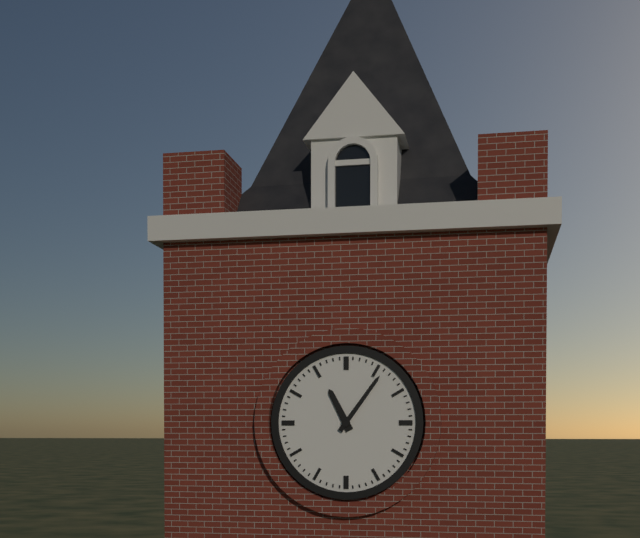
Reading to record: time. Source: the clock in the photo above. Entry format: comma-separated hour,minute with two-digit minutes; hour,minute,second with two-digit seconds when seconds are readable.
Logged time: 11,06
